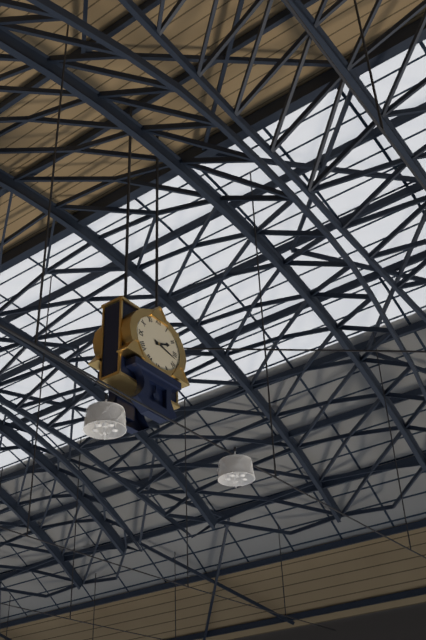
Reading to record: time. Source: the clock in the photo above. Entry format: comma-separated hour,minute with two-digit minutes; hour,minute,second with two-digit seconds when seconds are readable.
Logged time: 2,17
